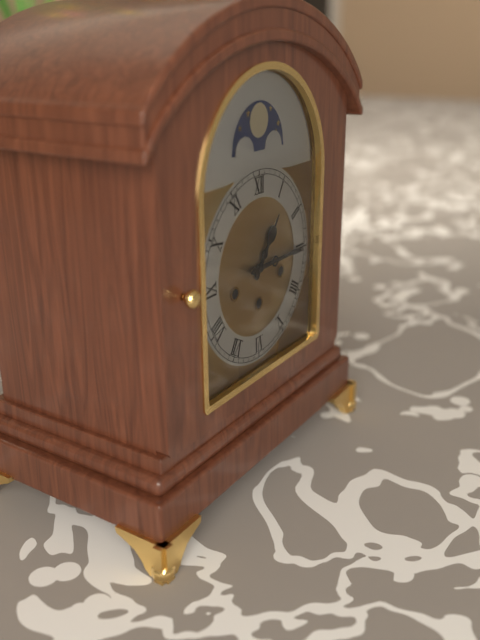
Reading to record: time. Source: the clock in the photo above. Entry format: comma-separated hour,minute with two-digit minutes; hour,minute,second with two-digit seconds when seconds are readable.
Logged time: 1,15
